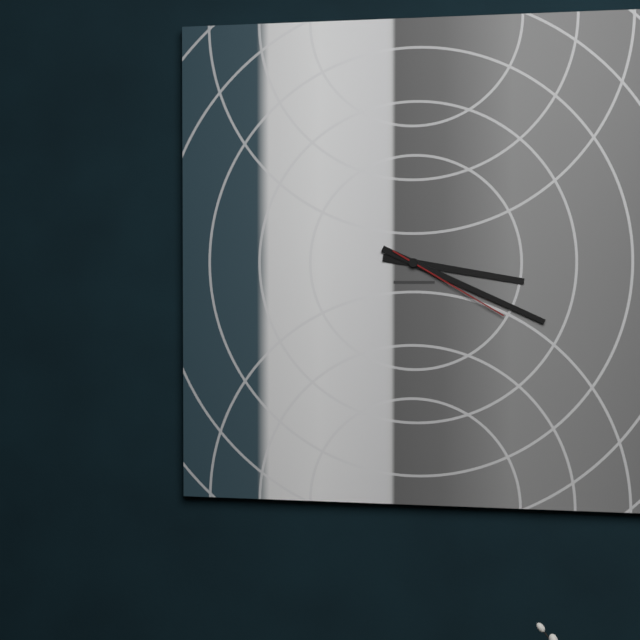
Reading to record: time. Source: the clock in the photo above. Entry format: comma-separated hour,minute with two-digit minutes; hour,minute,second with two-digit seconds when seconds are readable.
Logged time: 3,19,20
